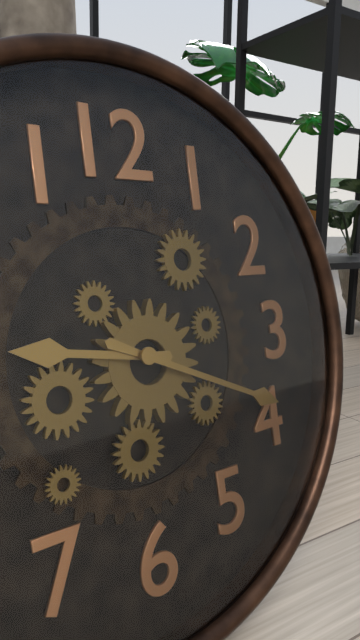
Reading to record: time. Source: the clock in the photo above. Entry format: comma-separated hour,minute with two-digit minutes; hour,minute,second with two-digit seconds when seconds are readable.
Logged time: 9,19
